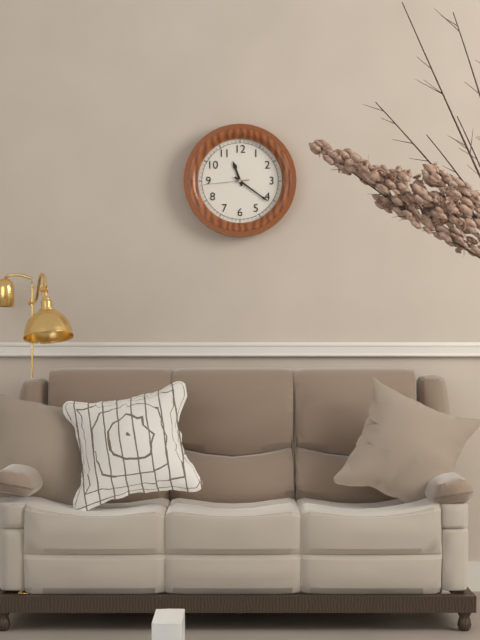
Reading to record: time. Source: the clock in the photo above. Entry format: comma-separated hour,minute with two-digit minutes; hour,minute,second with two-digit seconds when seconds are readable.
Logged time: 11,21
